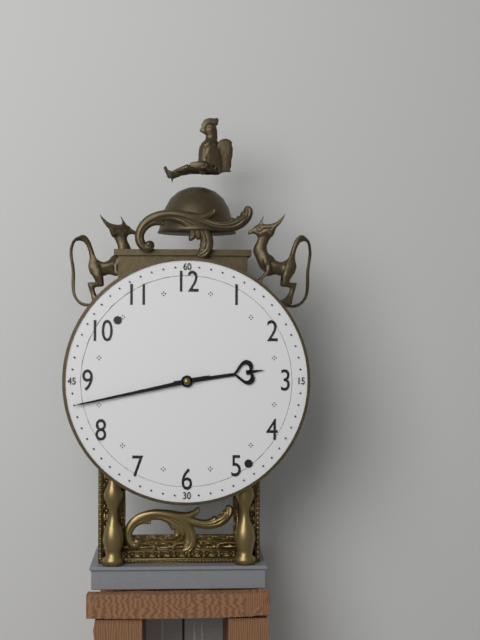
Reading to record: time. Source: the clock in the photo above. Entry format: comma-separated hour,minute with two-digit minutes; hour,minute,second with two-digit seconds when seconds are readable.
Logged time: 2,43
